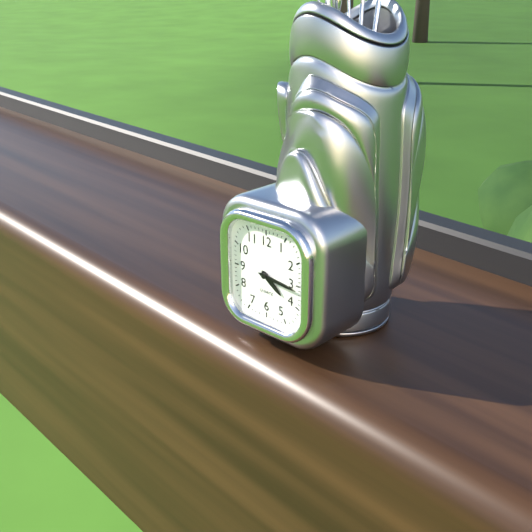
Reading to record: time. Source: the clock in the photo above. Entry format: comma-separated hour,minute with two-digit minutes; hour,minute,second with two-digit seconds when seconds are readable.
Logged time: 4,16
